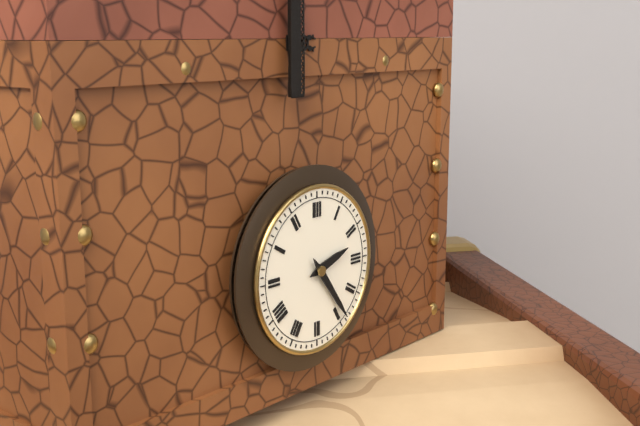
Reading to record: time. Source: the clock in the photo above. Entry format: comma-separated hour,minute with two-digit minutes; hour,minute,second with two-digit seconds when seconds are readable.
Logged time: 2,24
